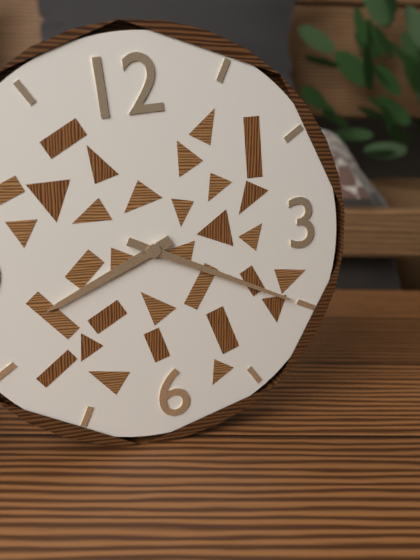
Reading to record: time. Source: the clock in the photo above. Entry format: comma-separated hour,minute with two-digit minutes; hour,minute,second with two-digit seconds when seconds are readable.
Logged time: 8,20
